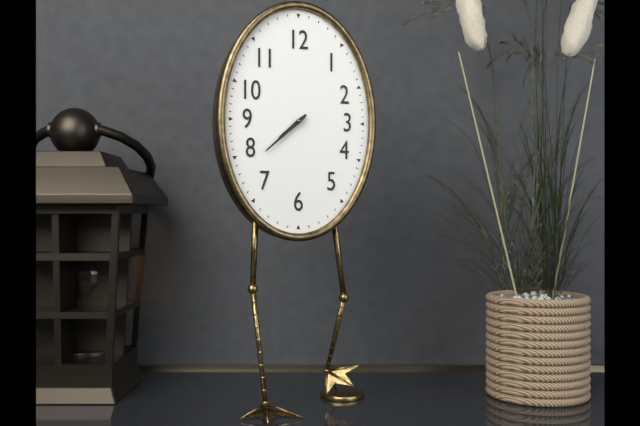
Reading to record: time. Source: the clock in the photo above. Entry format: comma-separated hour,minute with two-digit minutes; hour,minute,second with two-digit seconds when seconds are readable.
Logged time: 7,38
